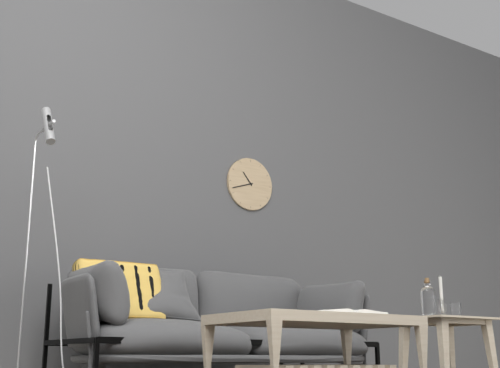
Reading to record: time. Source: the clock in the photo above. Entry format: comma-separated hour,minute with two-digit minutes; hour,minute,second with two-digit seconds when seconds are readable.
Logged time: 10,42
